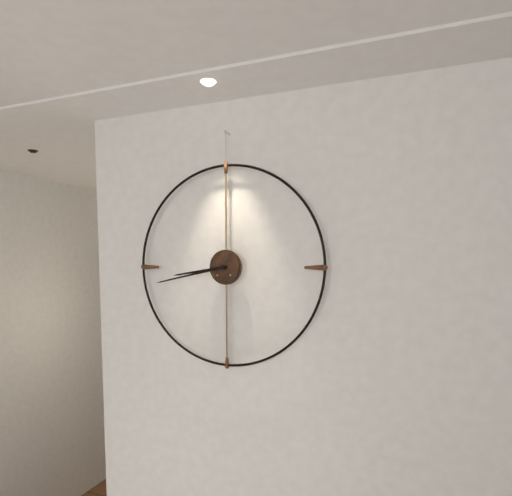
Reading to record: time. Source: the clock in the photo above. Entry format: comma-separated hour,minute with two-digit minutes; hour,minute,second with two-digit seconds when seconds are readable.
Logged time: 8,43
